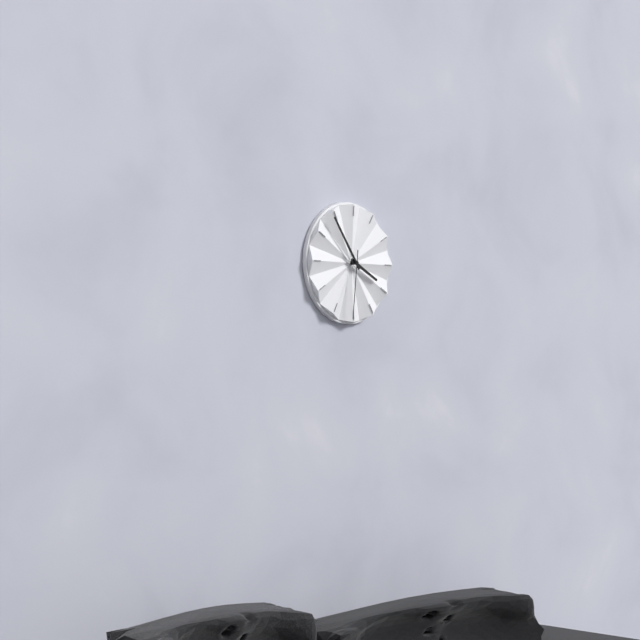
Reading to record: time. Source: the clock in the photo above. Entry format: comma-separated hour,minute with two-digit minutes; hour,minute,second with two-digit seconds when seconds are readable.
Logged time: 3,54,31
